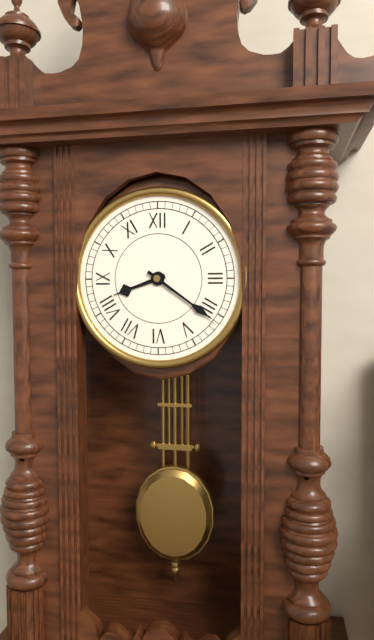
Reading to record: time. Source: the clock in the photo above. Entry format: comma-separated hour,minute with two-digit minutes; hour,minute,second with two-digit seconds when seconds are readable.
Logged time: 8,21
